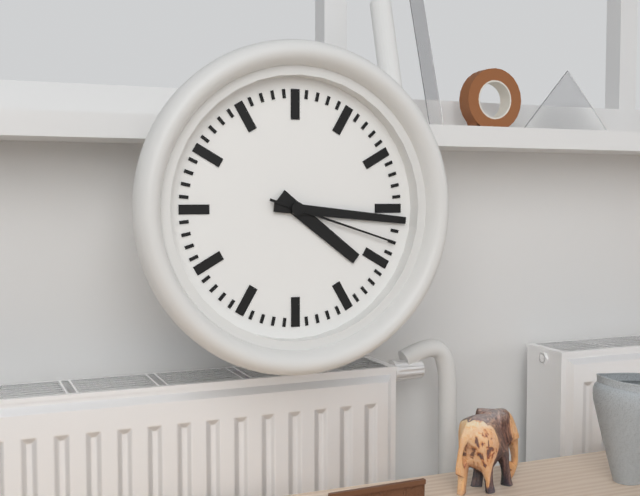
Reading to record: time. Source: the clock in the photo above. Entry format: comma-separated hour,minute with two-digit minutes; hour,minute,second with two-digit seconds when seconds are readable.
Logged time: 4,16,18
